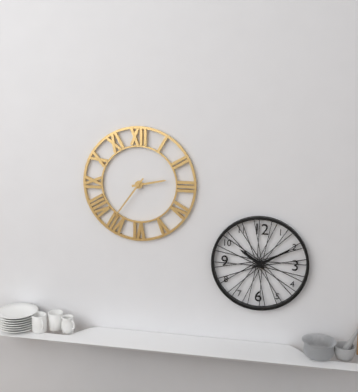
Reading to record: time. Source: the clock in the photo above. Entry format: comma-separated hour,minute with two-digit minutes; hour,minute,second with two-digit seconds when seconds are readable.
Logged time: 2,36
